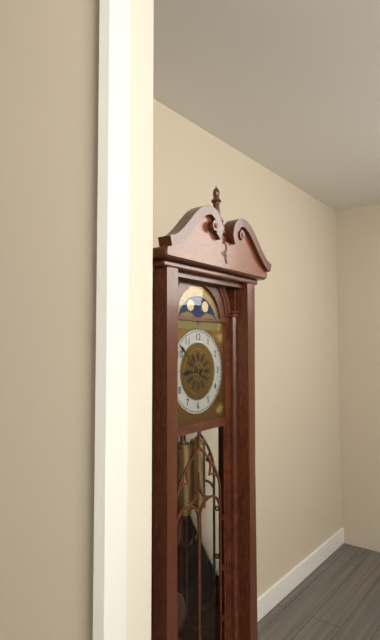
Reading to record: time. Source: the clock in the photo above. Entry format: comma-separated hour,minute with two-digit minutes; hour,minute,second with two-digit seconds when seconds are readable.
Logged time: 8,52
